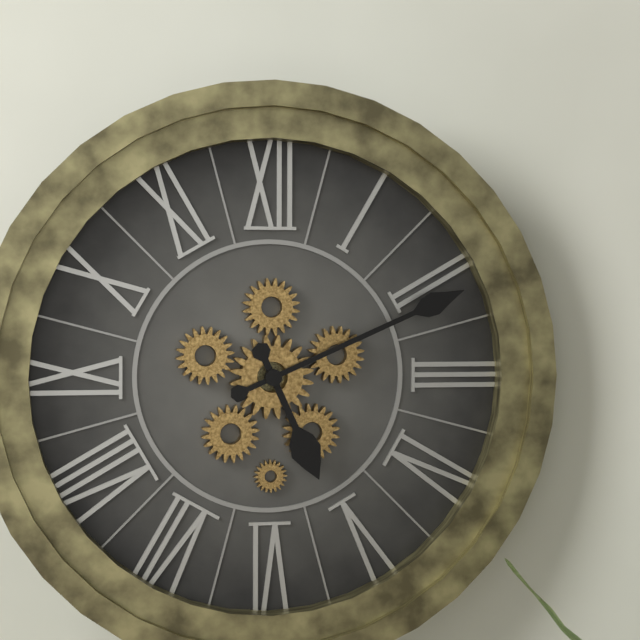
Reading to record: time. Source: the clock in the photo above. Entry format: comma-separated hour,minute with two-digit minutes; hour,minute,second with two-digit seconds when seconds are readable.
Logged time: 5,11
